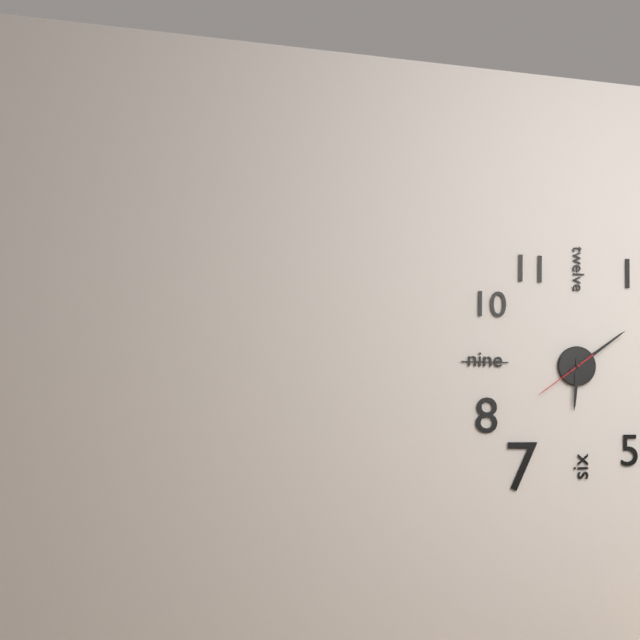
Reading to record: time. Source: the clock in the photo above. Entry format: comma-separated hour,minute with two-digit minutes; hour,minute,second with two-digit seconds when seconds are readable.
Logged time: 6,09,39
